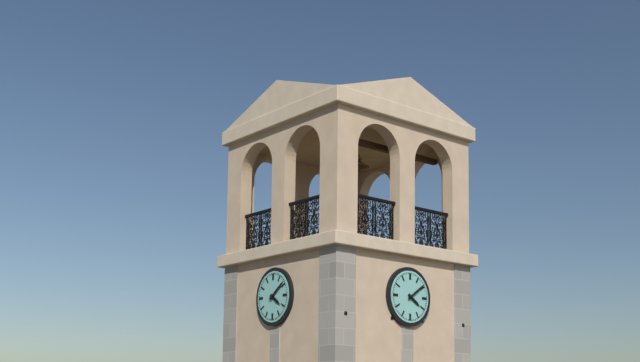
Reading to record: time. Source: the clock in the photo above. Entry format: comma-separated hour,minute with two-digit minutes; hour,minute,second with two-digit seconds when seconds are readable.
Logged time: 4,09
